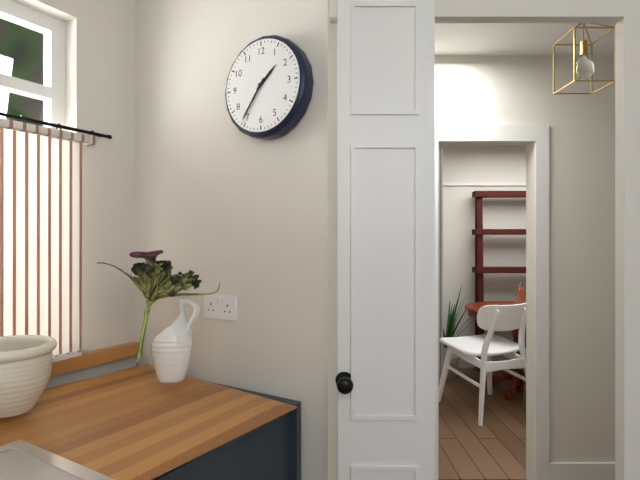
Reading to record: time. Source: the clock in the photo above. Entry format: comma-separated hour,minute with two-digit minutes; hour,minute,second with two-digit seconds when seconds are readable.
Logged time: 1,36
